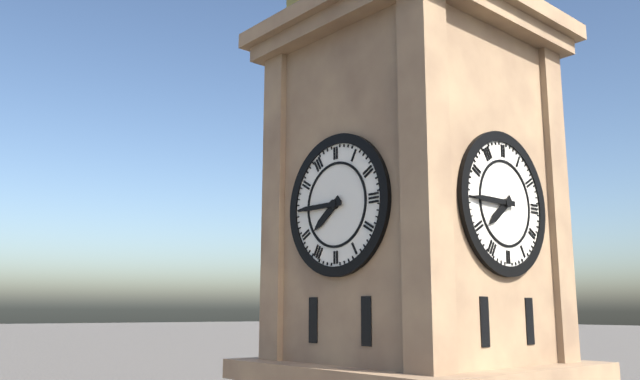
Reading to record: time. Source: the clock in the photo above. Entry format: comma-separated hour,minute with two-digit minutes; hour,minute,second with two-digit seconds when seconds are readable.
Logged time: 7,45
